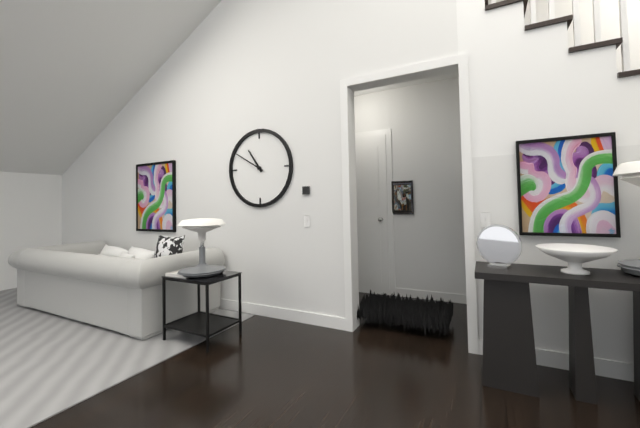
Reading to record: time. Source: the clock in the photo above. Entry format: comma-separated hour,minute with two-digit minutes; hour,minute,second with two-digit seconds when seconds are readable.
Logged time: 10,50
